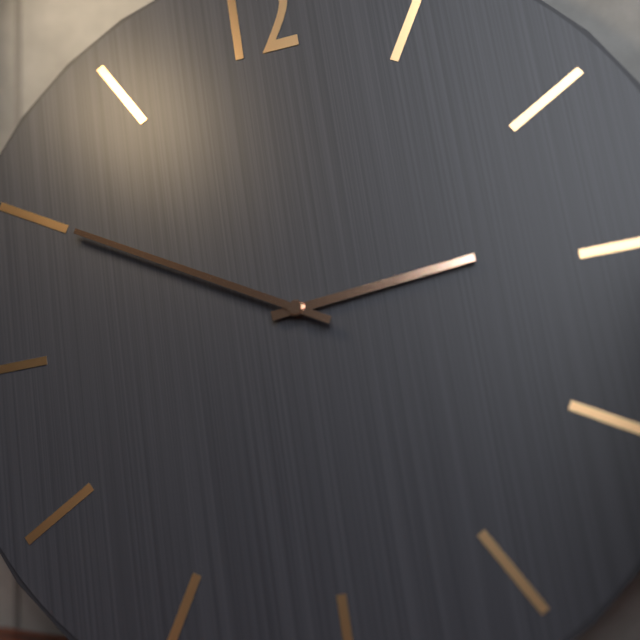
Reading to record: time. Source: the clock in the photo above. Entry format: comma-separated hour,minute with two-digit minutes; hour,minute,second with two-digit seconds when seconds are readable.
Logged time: 2,50
